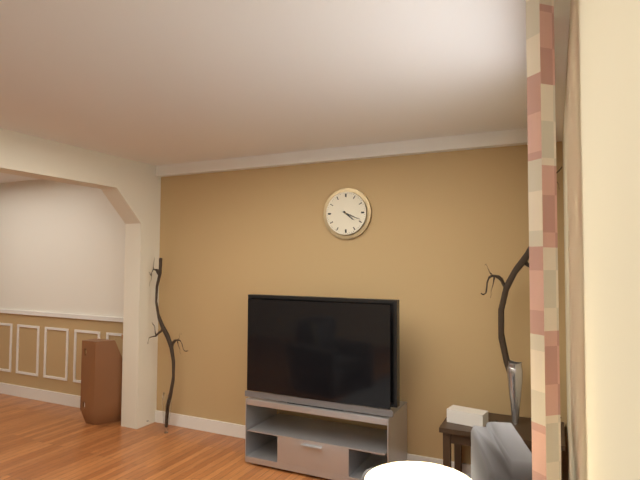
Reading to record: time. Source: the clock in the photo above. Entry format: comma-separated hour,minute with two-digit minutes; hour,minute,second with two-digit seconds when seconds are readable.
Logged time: 4,19
